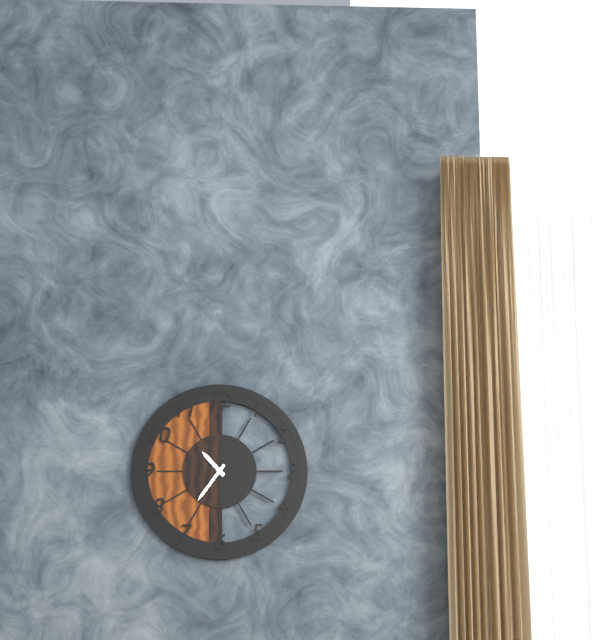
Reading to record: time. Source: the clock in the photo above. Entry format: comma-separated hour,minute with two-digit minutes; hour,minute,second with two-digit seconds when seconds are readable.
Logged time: 10,36
